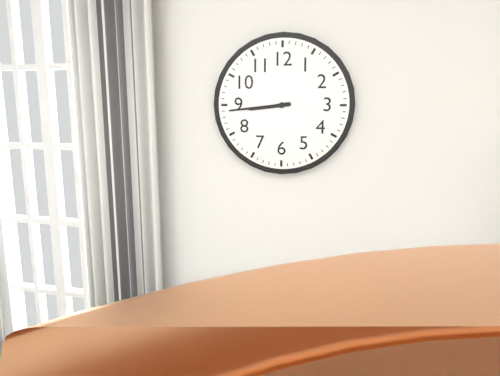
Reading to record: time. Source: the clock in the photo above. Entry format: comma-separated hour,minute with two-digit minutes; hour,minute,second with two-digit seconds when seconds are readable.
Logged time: 8,44
